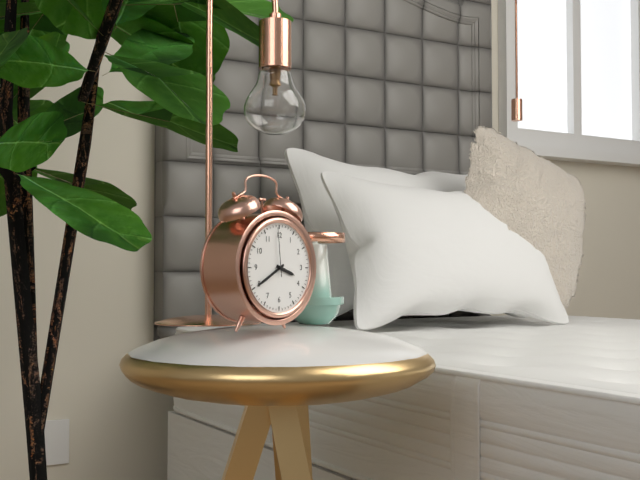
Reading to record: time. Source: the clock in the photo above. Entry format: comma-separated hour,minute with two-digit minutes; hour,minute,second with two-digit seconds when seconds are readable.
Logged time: 3,40,59
